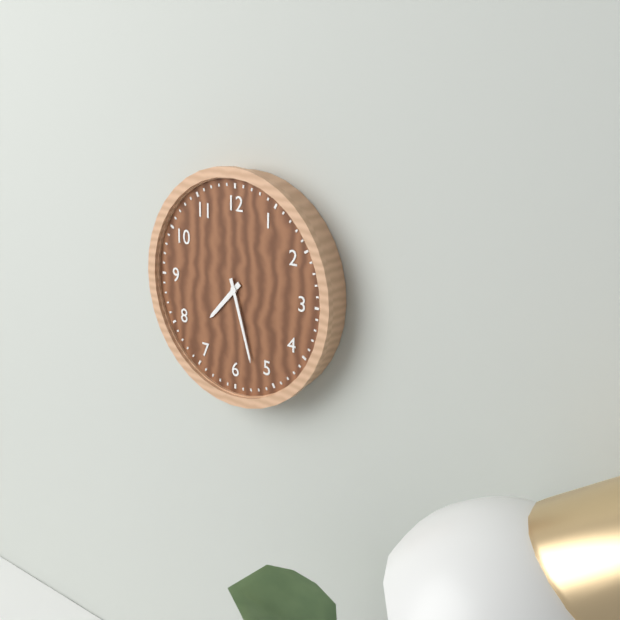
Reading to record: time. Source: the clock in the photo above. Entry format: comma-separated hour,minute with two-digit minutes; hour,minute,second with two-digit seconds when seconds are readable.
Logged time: 7,27
